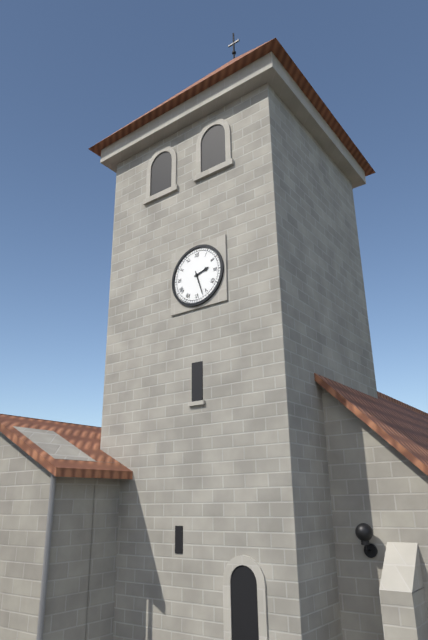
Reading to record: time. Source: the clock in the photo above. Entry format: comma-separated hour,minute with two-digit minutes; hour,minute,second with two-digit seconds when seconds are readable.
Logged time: 2,27
